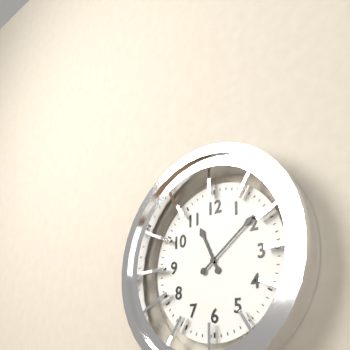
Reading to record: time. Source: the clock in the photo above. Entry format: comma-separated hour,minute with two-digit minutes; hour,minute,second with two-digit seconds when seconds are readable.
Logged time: 11,09
